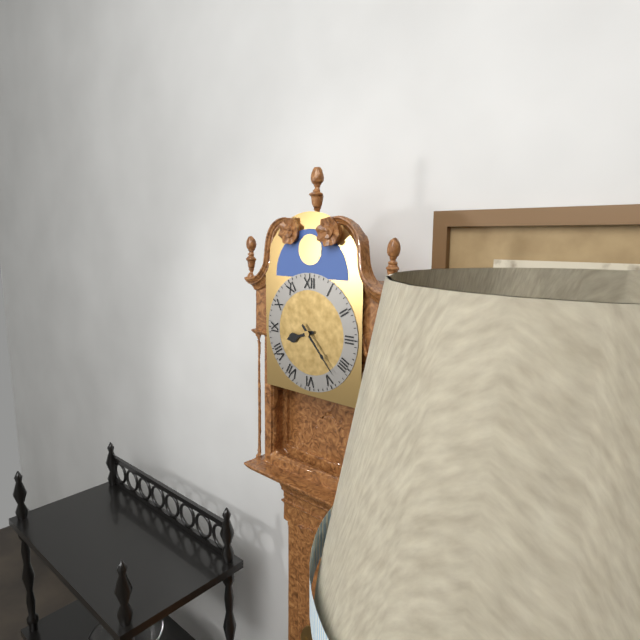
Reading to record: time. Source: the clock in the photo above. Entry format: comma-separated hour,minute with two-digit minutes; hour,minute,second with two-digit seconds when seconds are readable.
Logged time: 8,23
